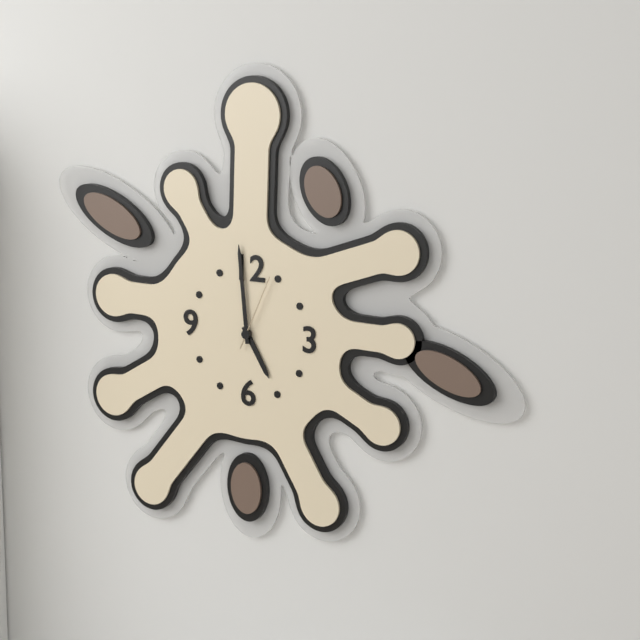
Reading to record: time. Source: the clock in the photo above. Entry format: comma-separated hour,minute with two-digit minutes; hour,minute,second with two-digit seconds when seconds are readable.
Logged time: 4,59,04
